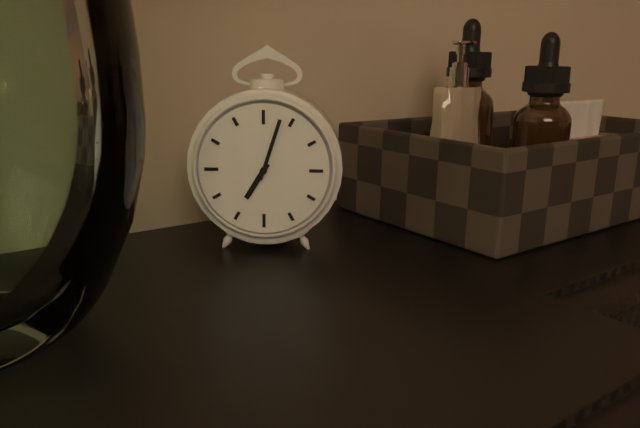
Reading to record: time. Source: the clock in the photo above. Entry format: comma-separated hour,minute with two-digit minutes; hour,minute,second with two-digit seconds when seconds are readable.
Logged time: 7,03
